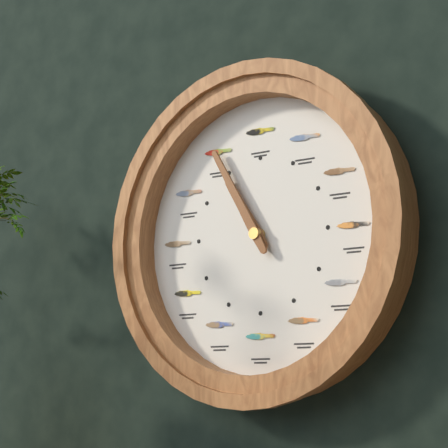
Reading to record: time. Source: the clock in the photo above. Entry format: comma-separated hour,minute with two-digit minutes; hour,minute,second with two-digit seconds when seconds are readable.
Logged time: 10,55
